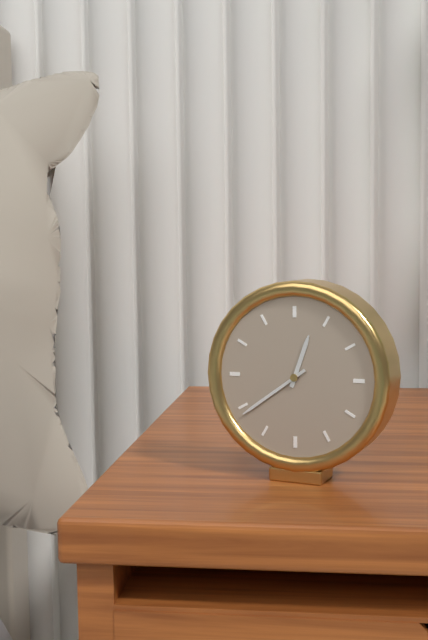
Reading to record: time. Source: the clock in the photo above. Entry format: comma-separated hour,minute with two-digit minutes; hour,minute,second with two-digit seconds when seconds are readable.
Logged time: 12,39
